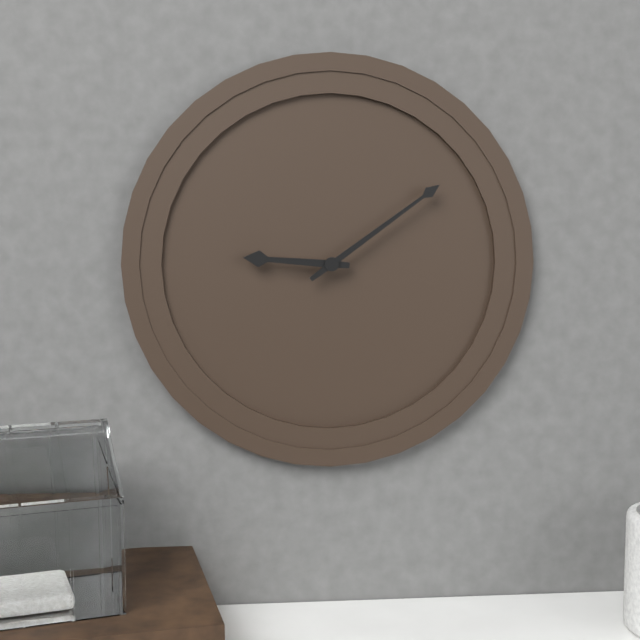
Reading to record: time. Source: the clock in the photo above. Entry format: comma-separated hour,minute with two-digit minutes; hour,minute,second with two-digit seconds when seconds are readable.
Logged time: 9,09
